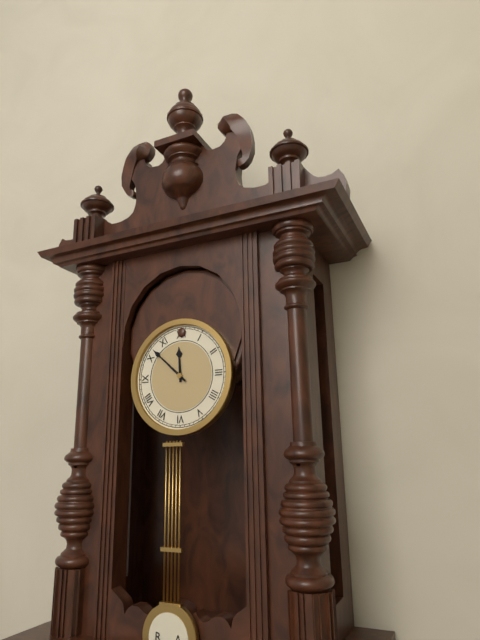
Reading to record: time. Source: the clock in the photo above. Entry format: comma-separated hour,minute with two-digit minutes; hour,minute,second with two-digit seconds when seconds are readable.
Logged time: 11,52
